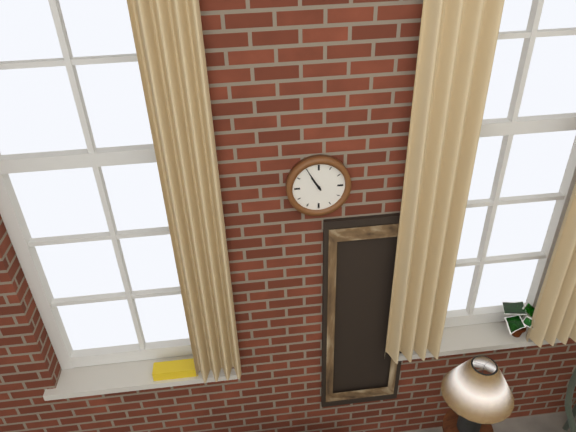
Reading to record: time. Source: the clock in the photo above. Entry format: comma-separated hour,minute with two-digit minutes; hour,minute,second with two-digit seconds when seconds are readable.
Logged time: 10,55
